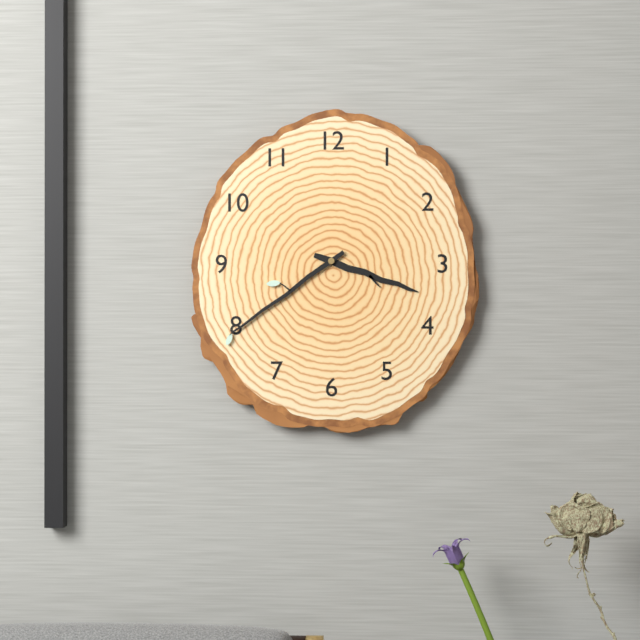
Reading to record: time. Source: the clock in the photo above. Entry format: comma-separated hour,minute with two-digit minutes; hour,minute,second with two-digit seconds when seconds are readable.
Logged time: 3,39
